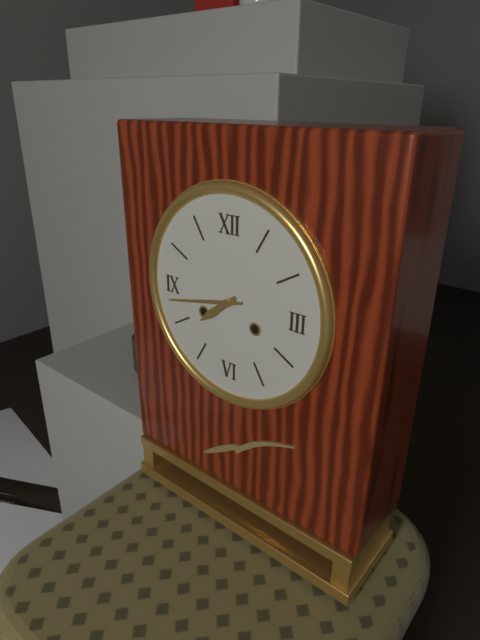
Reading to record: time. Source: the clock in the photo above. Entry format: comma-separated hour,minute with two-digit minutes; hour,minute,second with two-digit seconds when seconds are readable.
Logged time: 7,43
